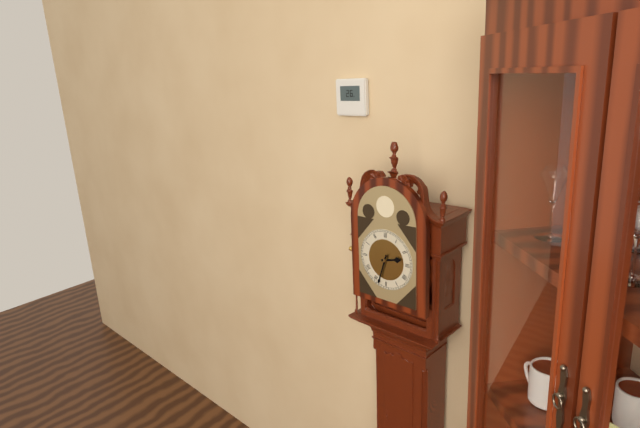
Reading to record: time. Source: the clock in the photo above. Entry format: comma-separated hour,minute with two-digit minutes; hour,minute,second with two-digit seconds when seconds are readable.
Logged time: 2,33
